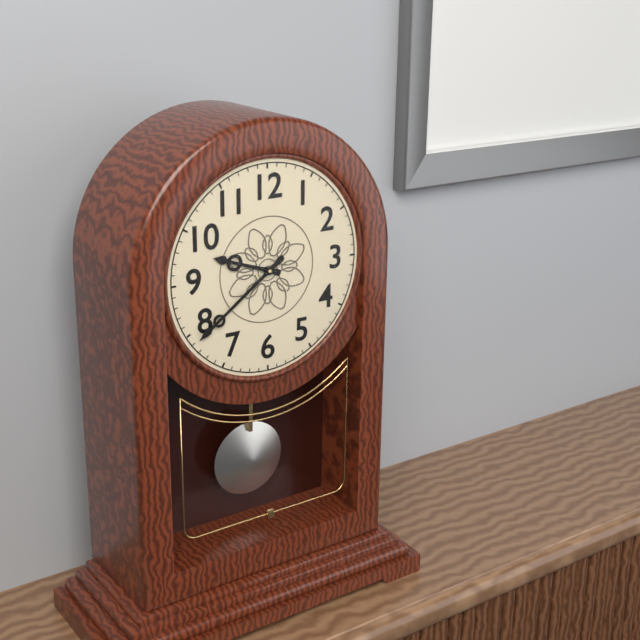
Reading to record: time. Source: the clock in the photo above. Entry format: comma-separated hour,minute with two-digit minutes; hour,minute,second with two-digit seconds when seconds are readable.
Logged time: 9,39
